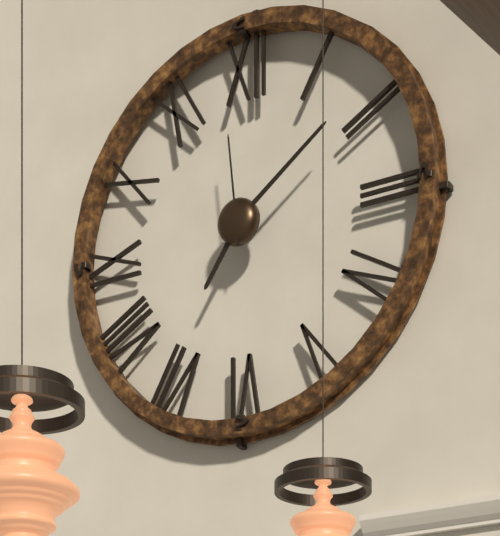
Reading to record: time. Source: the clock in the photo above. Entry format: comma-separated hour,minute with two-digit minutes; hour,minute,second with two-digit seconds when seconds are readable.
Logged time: 7,09,59
